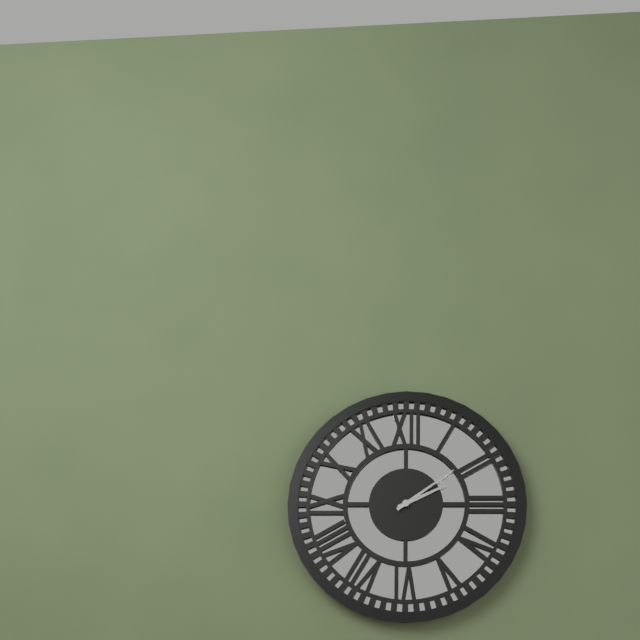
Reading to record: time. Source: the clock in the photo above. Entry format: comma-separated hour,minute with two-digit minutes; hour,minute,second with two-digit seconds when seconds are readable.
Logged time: 2,09
